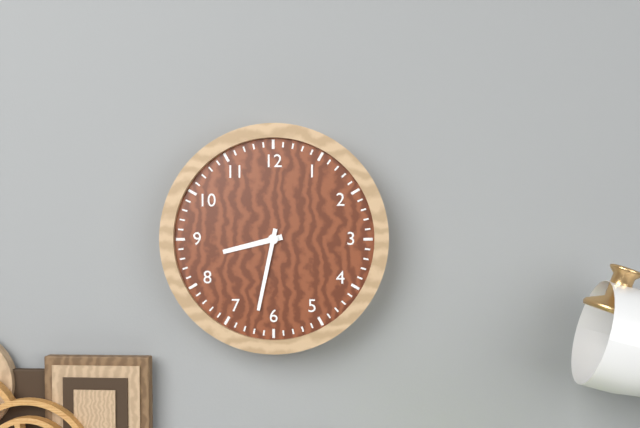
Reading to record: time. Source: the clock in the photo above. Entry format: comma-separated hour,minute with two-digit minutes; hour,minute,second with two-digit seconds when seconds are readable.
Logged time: 8,32
